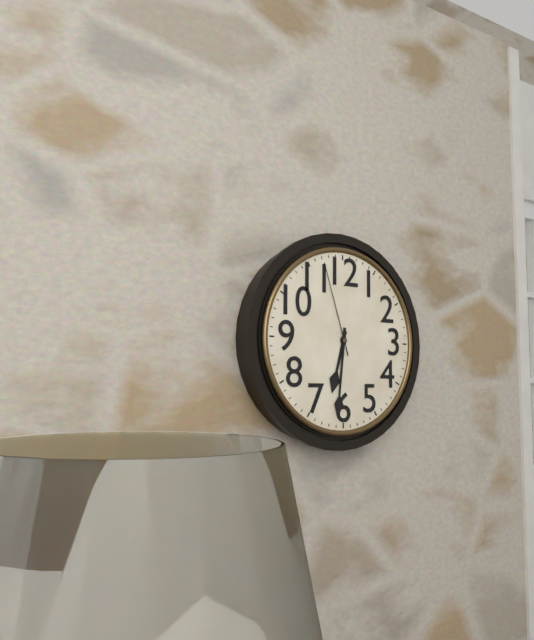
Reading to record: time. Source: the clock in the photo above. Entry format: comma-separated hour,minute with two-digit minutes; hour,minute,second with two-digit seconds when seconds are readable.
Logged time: 6,31,57
